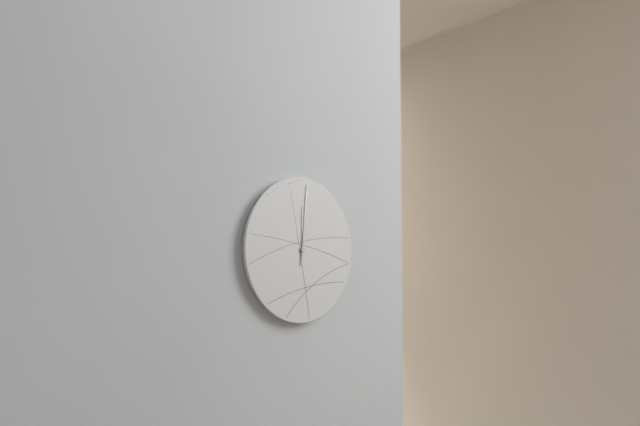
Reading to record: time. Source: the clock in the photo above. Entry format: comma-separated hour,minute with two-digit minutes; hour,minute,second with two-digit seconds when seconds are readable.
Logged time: 12,01
